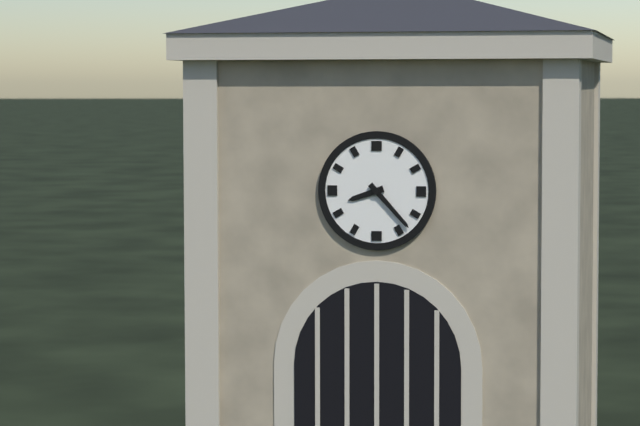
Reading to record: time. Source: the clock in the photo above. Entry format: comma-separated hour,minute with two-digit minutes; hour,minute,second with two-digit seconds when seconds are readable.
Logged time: 8,23
